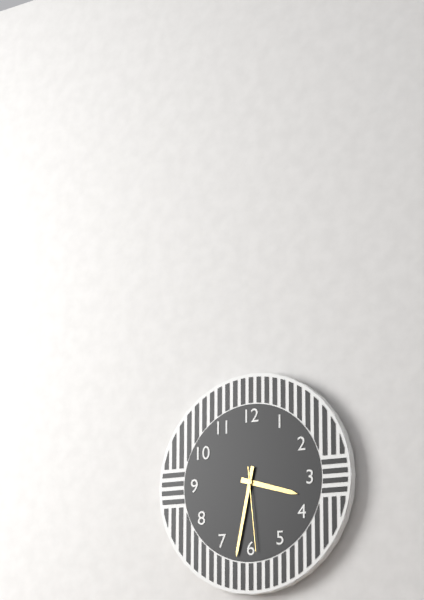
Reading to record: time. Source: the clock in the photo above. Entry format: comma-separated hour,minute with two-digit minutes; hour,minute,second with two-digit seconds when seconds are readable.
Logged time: 3,32,29
